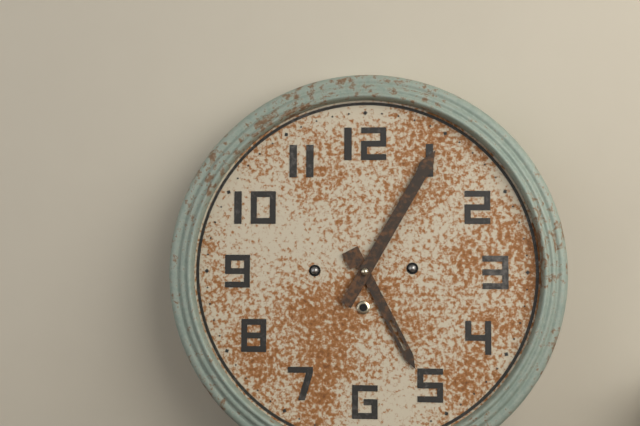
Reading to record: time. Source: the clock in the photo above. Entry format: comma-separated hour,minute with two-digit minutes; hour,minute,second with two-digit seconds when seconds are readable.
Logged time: 5,05
